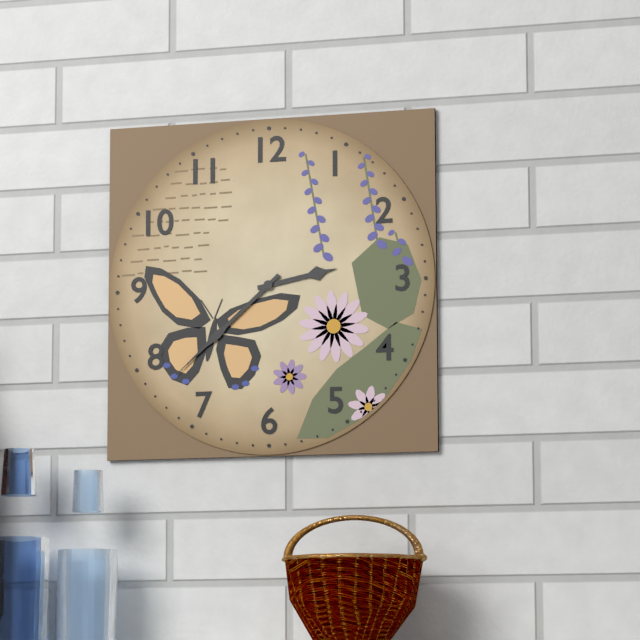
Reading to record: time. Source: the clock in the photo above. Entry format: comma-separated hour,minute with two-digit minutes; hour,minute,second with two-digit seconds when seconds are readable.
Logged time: 2,38
